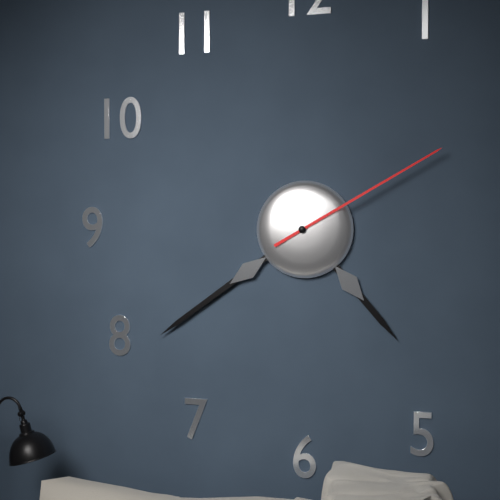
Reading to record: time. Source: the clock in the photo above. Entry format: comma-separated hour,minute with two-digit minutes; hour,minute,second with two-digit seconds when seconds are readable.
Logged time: 4,39,10
